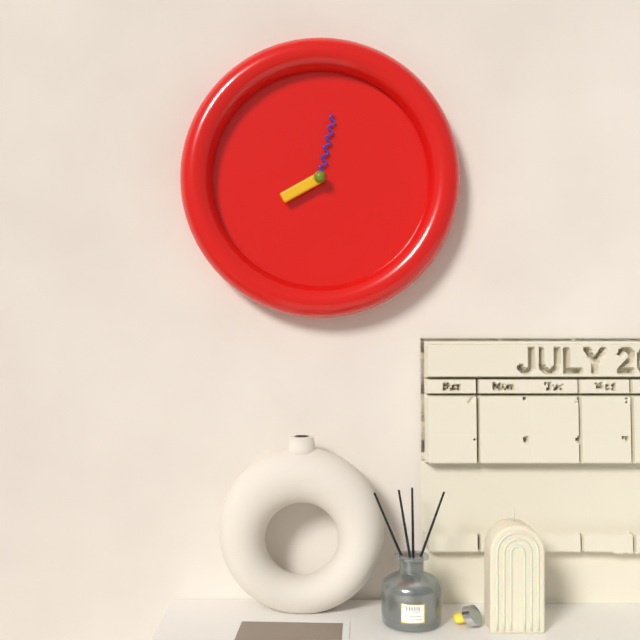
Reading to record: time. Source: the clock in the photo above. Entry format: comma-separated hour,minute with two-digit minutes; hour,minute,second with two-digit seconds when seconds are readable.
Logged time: 8,02
